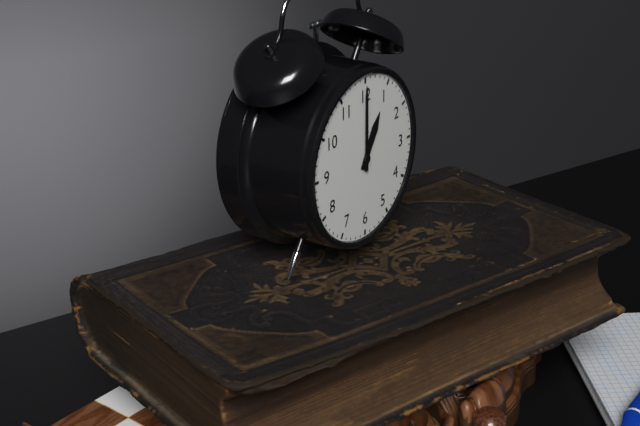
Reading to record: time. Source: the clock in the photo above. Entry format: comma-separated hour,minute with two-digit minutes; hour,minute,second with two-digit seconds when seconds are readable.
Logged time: 1,00
